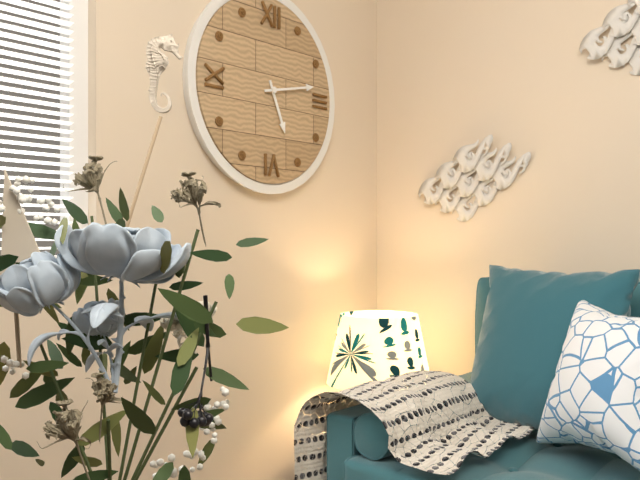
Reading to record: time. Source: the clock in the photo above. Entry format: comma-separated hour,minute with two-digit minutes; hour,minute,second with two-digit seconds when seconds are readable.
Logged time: 5,13
